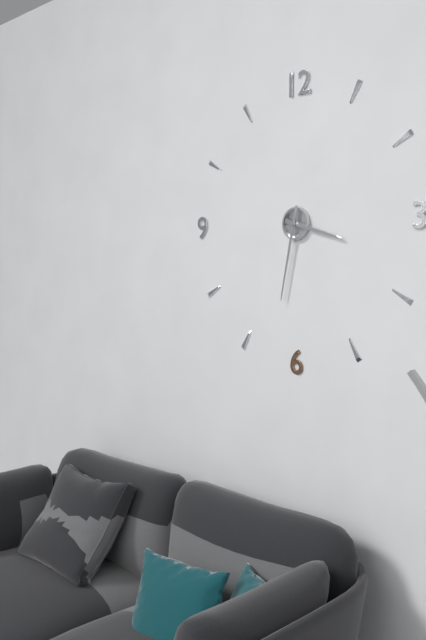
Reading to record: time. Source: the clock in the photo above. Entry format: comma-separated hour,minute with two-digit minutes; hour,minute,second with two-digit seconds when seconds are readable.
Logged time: 3,32
